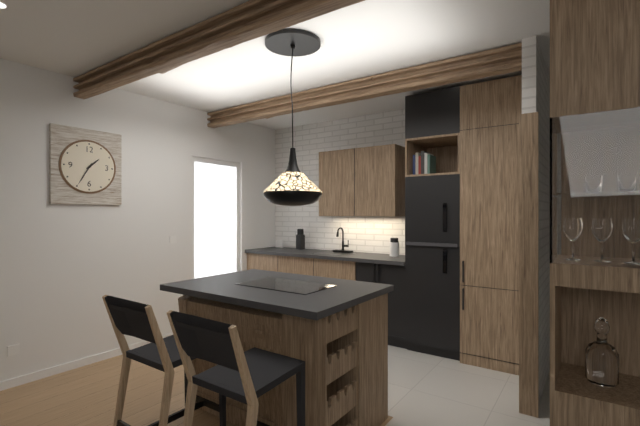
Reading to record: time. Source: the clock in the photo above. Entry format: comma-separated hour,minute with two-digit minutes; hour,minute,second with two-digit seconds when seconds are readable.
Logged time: 1,35
